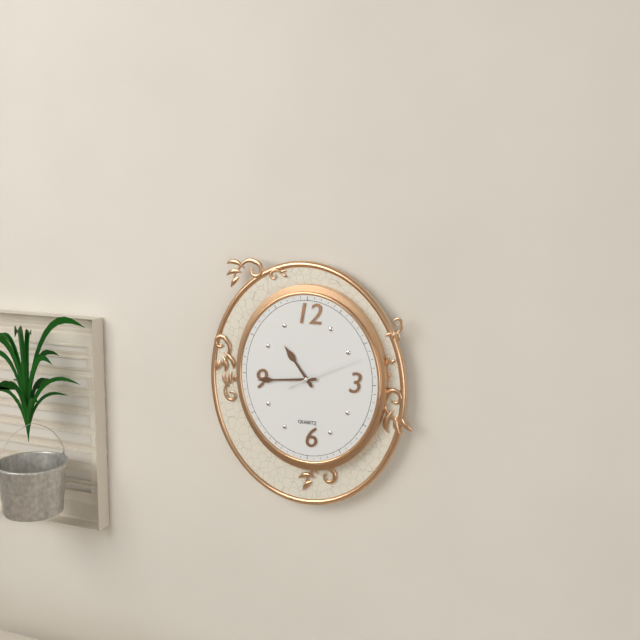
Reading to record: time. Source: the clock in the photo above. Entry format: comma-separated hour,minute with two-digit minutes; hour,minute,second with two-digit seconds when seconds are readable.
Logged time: 10,44,11
